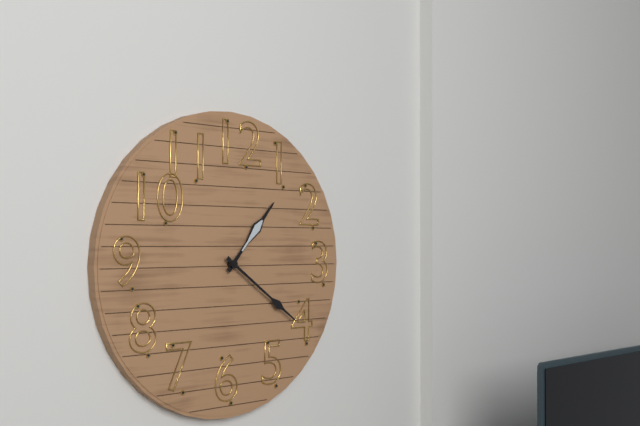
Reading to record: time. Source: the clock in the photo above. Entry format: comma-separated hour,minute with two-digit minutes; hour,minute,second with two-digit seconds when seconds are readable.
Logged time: 1,21
